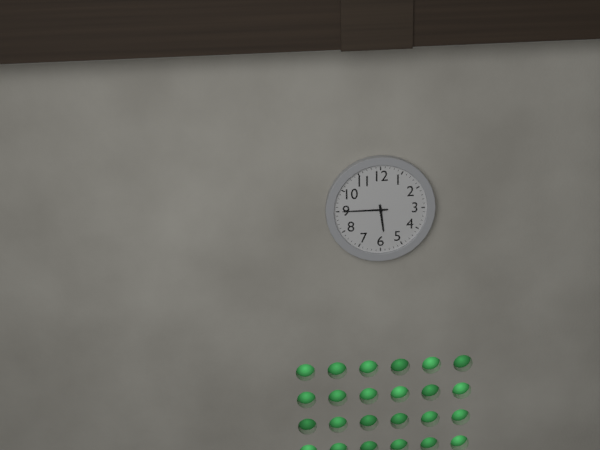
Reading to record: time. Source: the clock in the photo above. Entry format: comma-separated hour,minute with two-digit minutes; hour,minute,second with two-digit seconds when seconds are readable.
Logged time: 5,45
